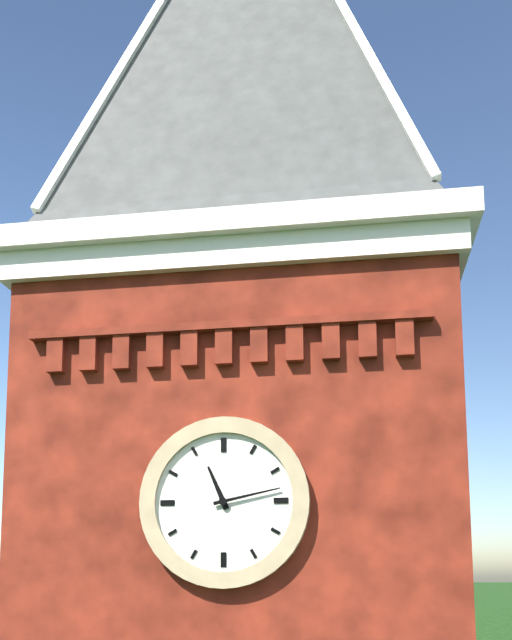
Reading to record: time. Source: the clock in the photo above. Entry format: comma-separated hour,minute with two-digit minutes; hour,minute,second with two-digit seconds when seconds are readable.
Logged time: 11,13
